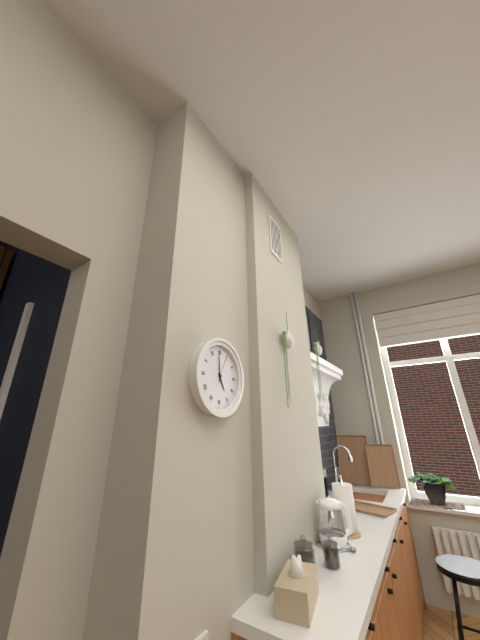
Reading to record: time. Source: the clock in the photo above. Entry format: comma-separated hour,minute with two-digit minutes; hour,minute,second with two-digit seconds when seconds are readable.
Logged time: 4,59
